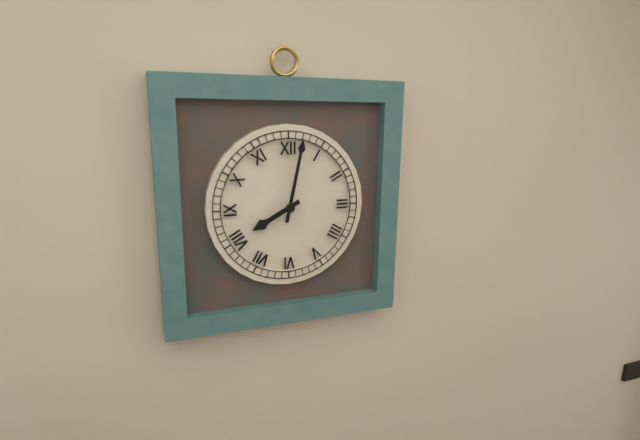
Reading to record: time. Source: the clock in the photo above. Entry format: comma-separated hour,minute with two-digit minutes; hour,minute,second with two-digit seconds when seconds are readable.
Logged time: 8,02
